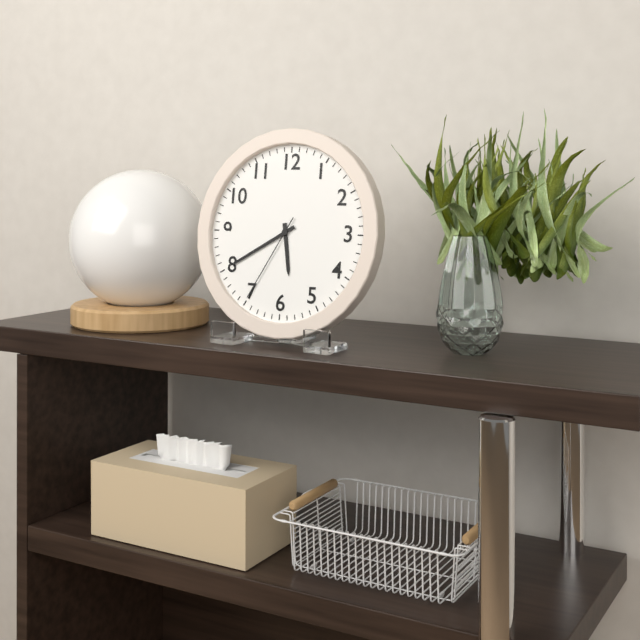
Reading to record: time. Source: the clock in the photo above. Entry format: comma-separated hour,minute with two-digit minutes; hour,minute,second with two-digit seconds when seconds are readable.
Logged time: 5,40,35
